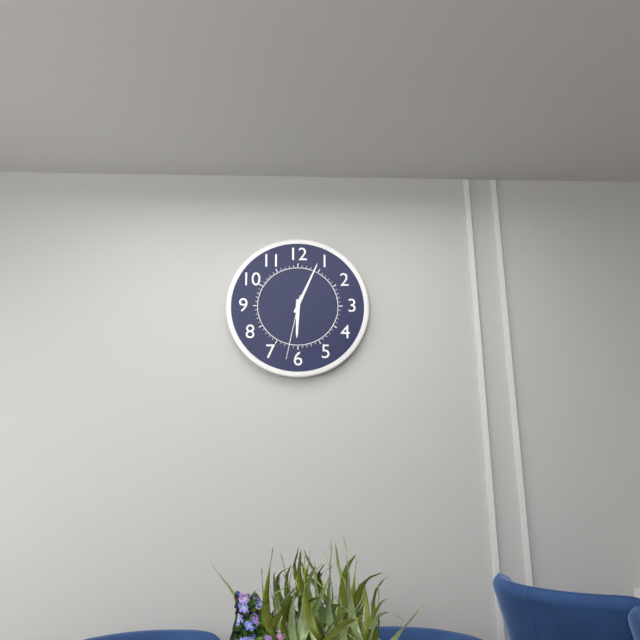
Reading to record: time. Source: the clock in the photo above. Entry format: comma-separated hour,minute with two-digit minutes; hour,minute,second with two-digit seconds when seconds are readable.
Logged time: 6,04,32
